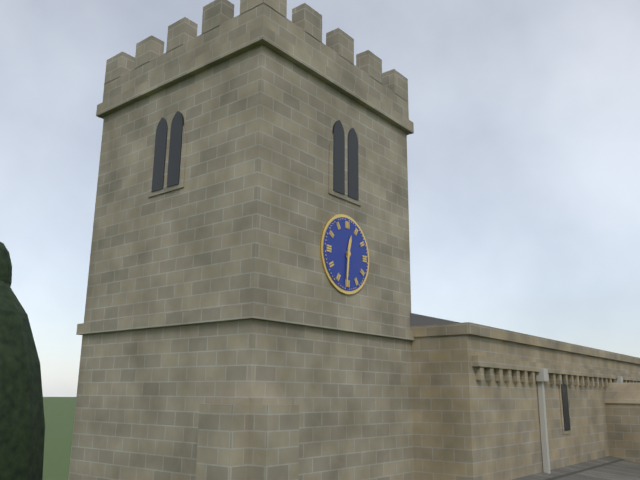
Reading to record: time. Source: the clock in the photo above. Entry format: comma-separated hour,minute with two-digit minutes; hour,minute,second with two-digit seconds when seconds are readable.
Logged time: 12,31
